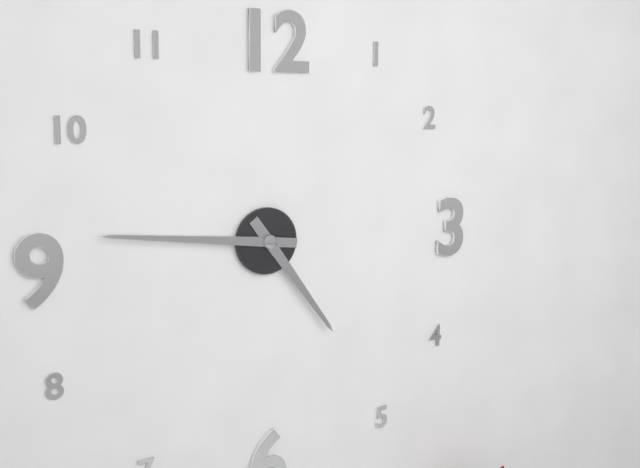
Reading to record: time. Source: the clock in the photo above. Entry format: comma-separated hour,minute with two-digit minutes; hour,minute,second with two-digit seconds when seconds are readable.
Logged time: 4,46
